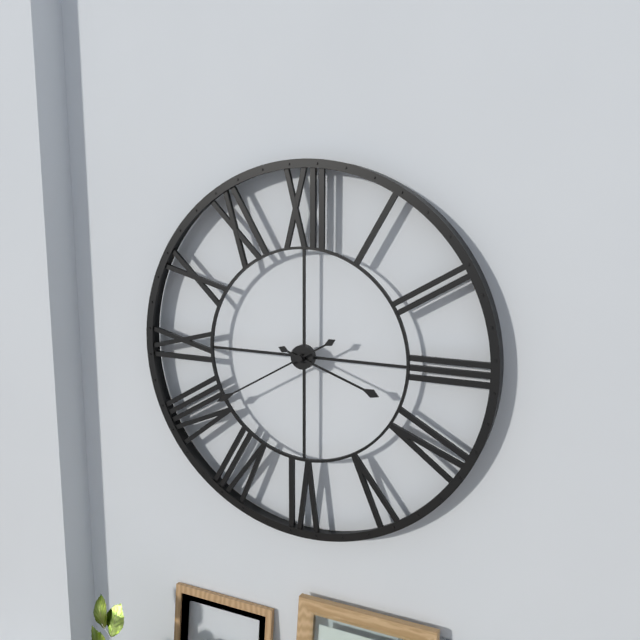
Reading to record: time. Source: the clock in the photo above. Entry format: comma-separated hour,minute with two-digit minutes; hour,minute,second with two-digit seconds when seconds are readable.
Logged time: 3,40
